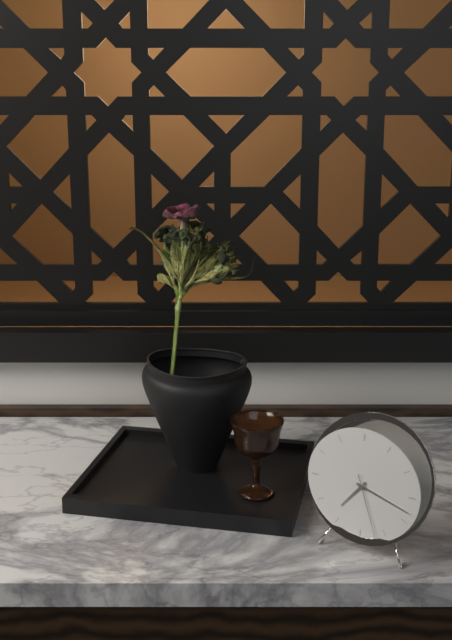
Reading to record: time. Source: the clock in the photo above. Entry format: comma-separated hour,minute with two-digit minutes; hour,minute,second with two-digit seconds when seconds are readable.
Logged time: 7,18,27
